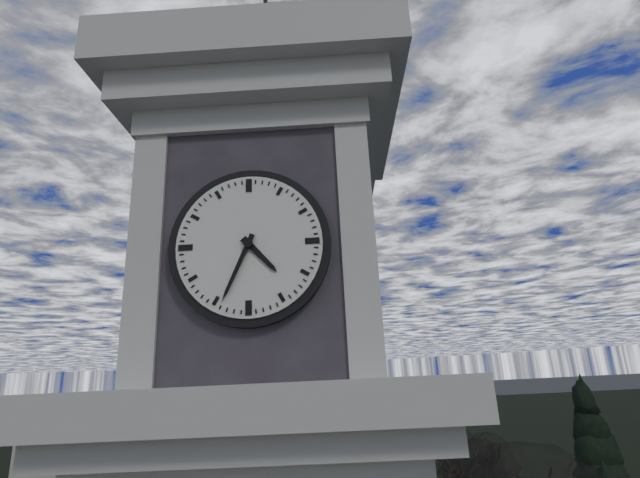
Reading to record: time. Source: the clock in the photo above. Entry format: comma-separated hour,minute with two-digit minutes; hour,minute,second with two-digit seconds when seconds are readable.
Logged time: 4,34
